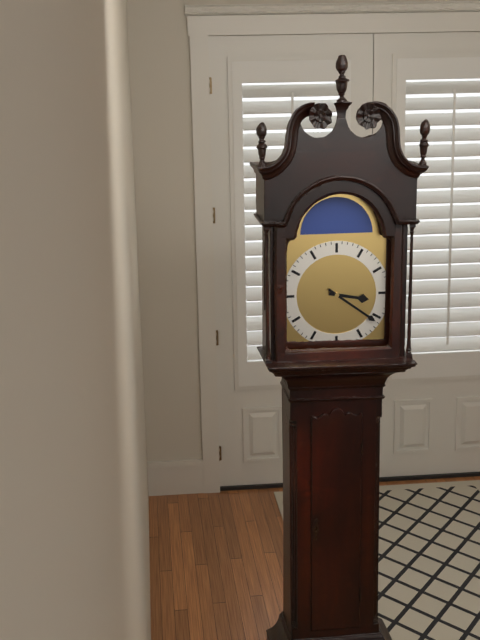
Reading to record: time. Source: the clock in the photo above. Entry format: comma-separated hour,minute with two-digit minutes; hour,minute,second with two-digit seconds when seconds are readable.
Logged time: 3,21
